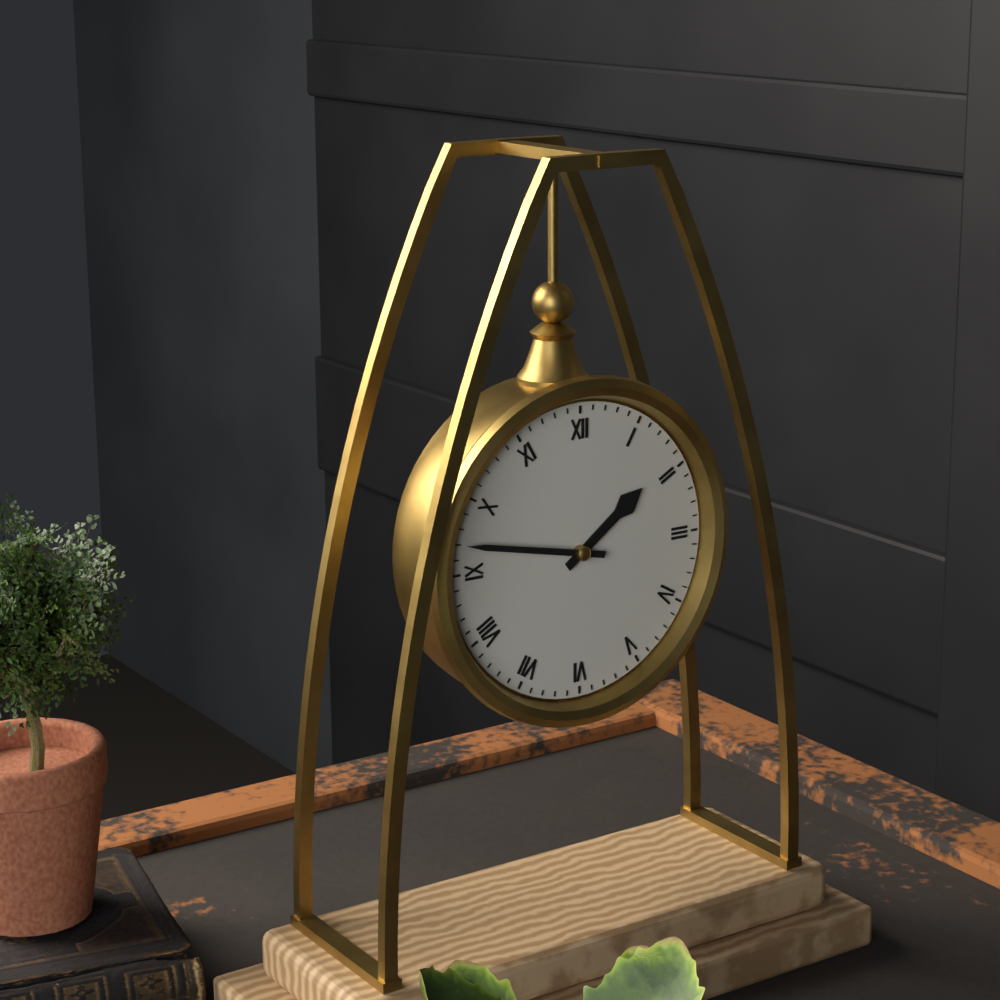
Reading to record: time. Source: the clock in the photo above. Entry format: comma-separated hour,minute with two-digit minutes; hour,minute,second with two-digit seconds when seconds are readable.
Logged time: 1,47
